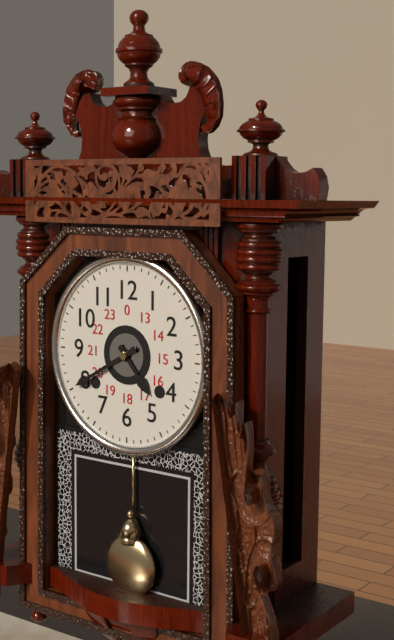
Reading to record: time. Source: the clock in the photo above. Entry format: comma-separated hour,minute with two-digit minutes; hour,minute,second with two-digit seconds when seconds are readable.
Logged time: 4,40
